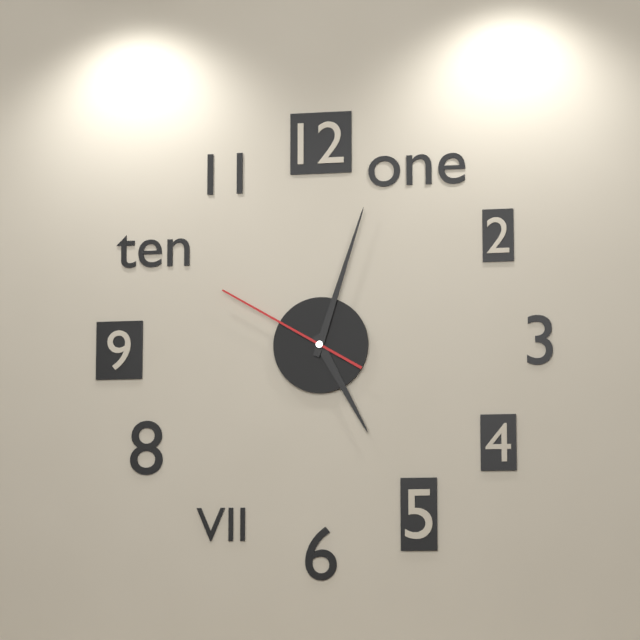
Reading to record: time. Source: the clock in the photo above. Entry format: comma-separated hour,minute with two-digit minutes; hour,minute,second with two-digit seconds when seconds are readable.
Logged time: 5,03,50
